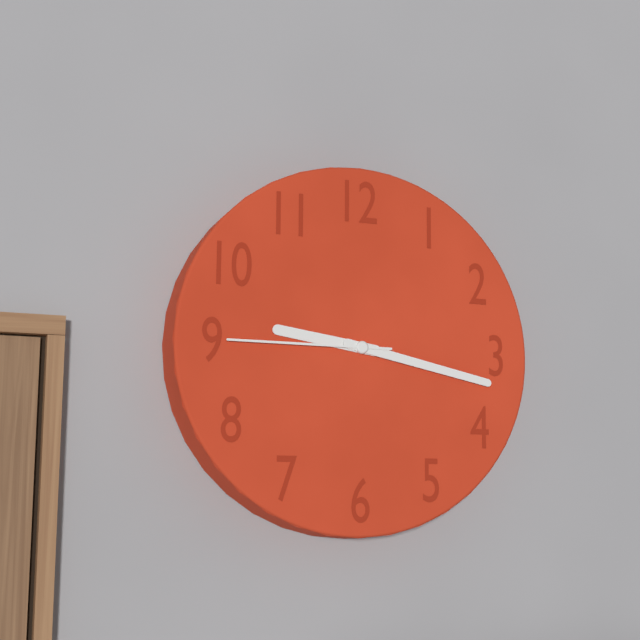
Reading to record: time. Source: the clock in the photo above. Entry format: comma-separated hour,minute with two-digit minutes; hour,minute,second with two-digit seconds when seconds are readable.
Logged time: 9,17,45
